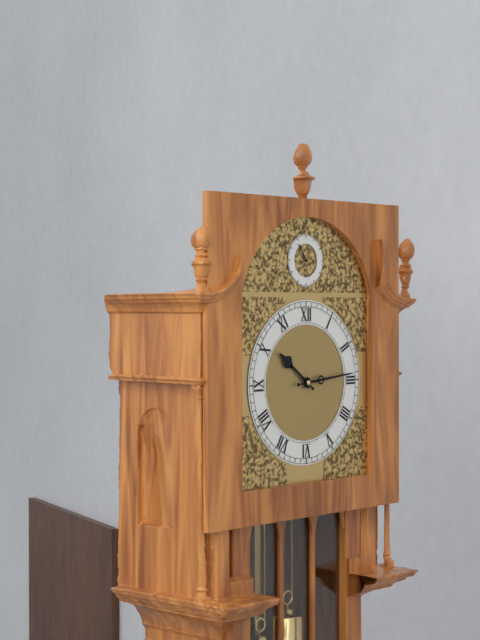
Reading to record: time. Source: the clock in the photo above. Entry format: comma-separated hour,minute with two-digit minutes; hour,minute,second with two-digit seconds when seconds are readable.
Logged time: 10,14
